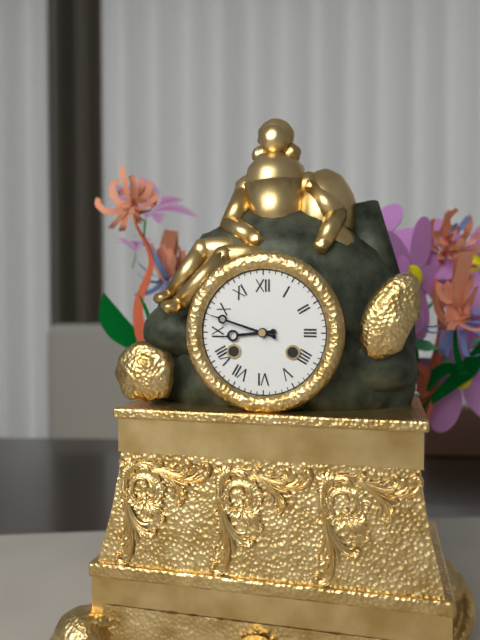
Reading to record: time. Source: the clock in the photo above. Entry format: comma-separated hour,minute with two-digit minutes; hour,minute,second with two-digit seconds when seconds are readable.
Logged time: 8,48
